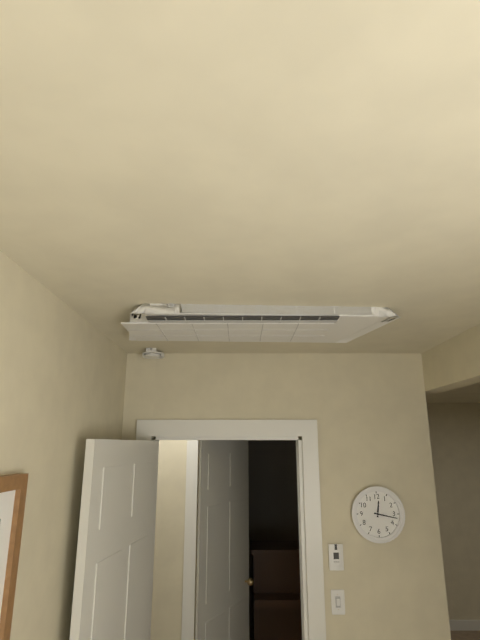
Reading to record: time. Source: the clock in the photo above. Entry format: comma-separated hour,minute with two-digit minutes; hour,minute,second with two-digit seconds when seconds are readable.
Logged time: 12,17
